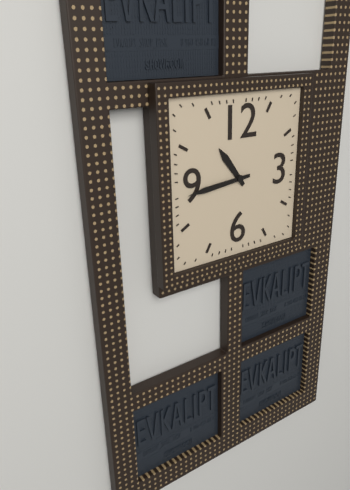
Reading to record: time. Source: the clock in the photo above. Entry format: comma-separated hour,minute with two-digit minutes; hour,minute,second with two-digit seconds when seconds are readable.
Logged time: 10,44
